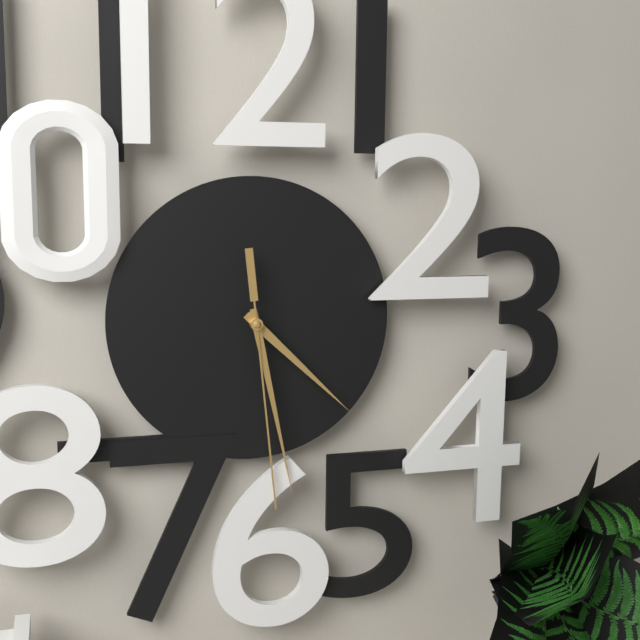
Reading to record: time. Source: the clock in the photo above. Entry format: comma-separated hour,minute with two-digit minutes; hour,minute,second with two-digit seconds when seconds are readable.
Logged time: 4,28,29
